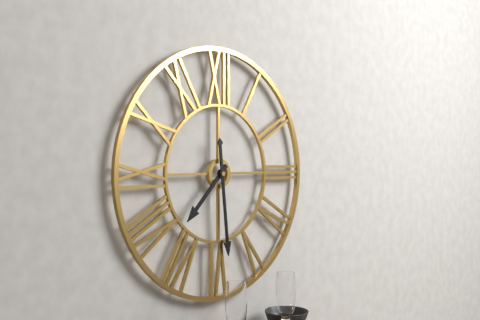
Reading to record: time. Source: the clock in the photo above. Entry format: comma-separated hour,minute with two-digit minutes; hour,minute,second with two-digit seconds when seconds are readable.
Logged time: 7,29
